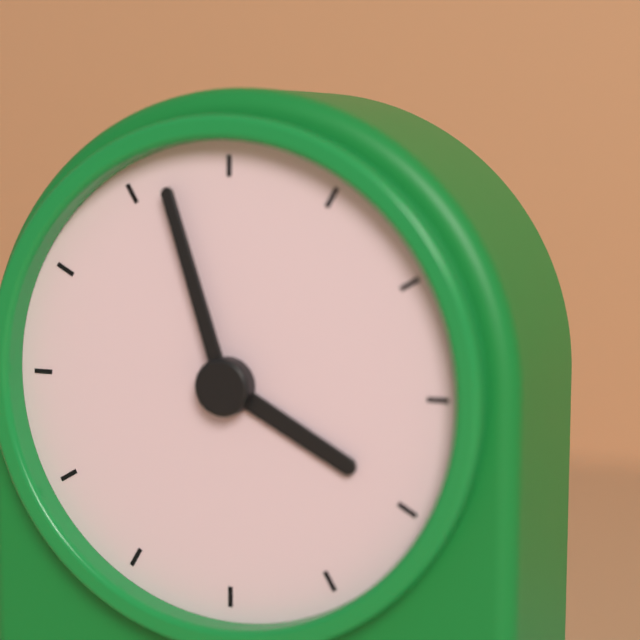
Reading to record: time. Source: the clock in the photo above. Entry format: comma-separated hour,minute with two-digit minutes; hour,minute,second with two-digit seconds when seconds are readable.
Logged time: 3,57
